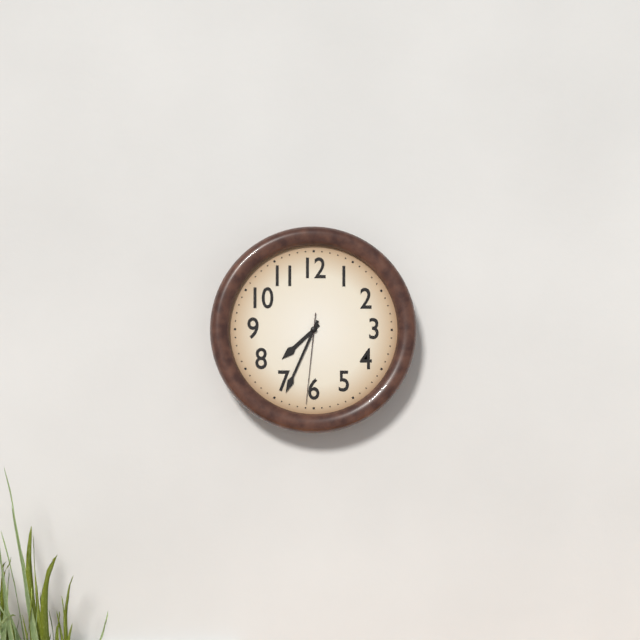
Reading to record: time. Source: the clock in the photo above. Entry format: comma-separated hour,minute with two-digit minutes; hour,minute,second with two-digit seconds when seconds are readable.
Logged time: 7,34,31
